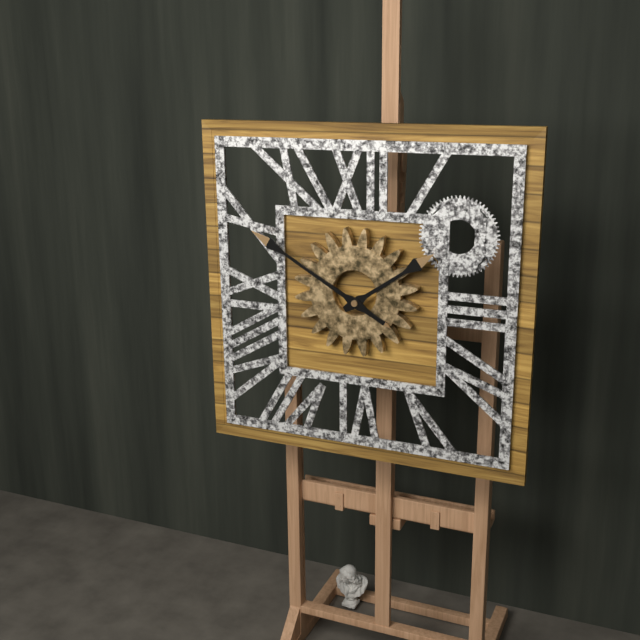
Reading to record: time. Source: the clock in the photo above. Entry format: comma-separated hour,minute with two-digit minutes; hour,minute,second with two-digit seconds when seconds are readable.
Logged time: 1,50
